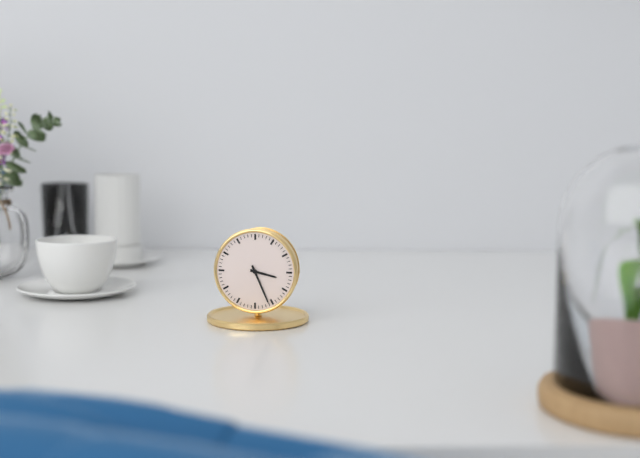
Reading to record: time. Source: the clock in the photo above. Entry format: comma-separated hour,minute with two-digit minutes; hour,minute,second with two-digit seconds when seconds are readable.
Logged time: 3,26
